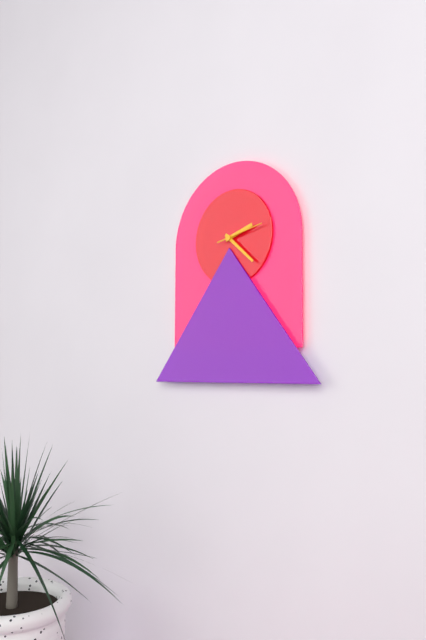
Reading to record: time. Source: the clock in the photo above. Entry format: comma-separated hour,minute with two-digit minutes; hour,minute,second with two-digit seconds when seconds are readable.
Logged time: 2,22
